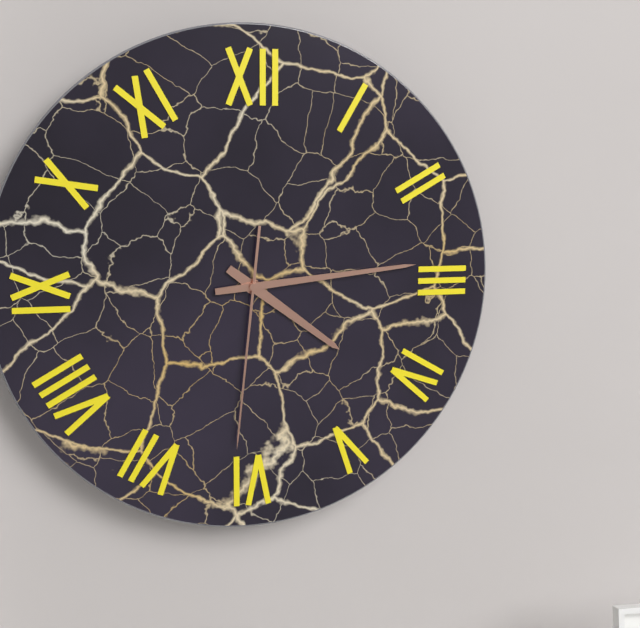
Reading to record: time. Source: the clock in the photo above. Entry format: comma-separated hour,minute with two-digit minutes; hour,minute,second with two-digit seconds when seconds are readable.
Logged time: 4,14,31
